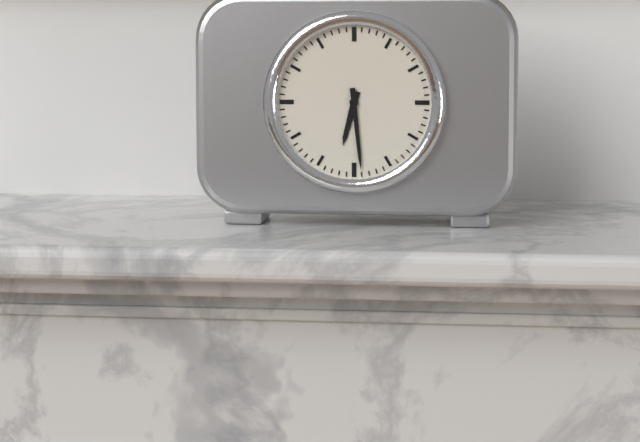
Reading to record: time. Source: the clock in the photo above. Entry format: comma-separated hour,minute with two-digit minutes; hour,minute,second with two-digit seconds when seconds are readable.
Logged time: 6,29
